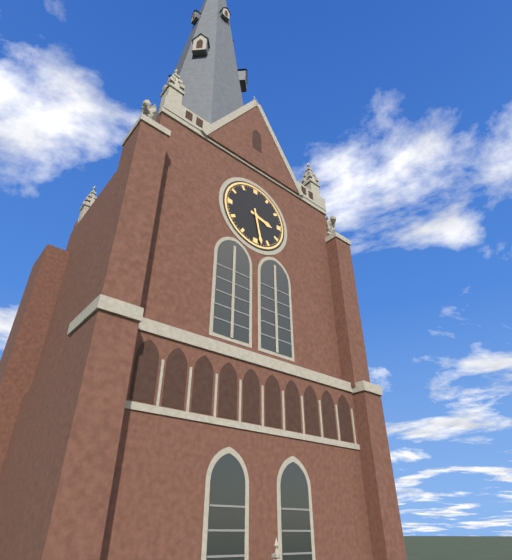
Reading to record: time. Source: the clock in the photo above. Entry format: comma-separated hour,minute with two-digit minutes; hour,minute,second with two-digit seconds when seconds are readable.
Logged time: 3,28
